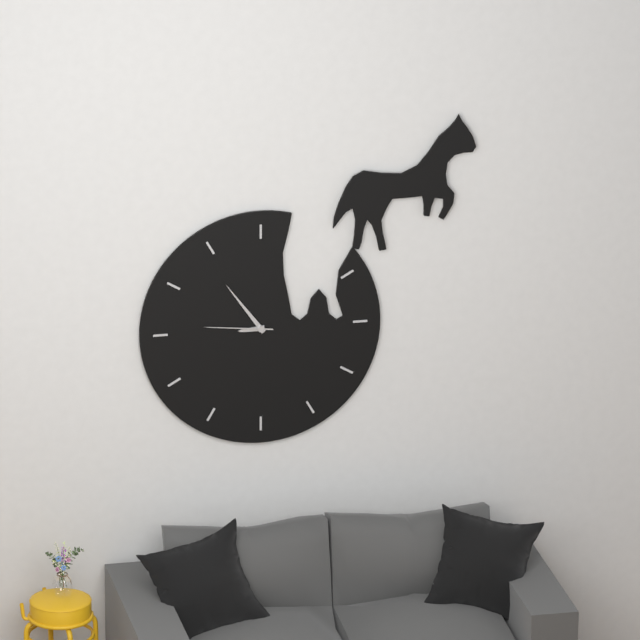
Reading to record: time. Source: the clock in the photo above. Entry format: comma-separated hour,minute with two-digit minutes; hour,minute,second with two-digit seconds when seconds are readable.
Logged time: 8,54,46
